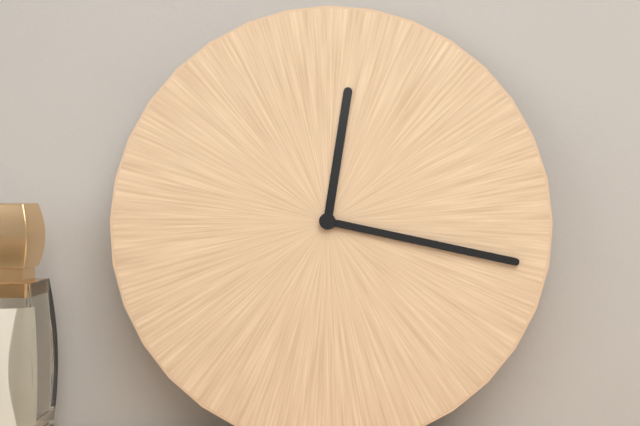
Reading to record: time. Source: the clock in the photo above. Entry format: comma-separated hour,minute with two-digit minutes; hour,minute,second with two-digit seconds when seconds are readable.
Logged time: 12,17
